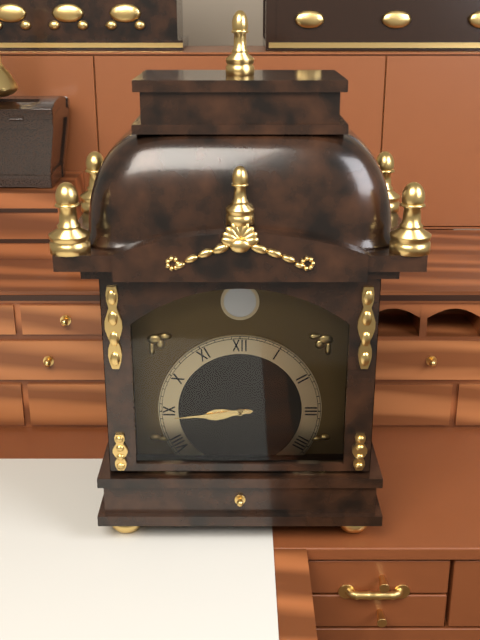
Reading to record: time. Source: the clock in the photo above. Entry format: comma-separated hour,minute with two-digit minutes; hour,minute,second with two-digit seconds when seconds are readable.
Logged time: 8,44
